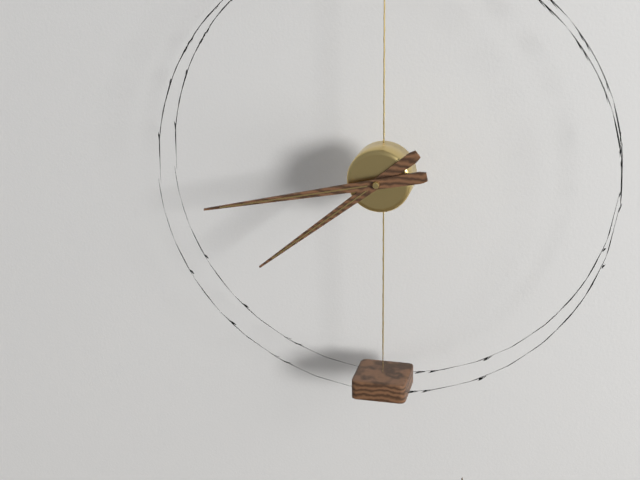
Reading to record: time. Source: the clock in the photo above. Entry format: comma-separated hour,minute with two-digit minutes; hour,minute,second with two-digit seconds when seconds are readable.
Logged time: 7,43
